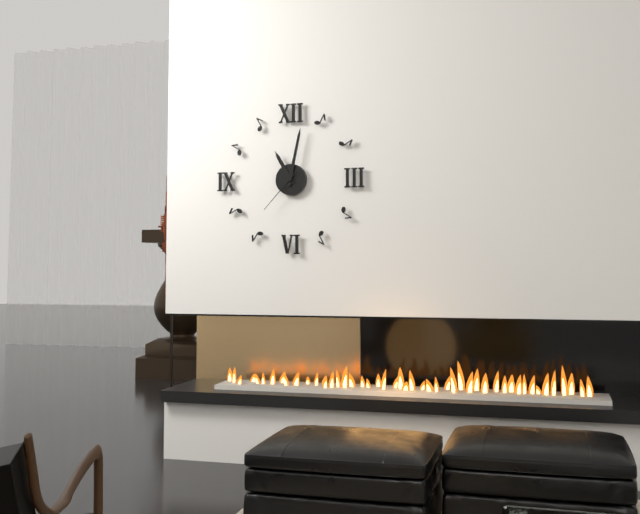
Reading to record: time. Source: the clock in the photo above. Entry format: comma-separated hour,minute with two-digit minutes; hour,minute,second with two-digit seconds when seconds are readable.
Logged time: 11,02,37
